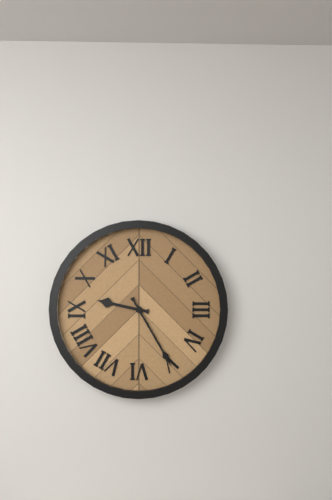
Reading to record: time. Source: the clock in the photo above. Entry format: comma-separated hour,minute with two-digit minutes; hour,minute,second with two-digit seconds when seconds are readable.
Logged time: 9,25
